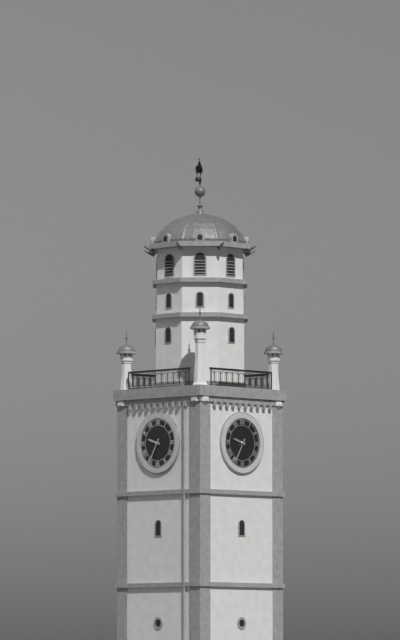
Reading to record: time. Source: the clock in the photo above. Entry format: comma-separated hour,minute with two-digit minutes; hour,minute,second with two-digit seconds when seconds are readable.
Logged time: 9,35
